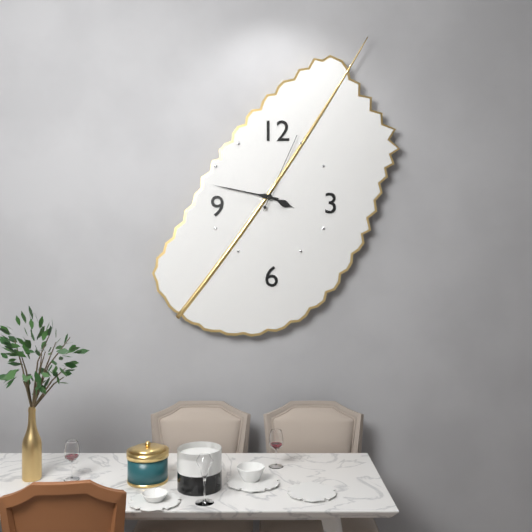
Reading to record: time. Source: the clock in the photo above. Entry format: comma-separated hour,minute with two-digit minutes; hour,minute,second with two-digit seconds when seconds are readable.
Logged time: 3,47,04
